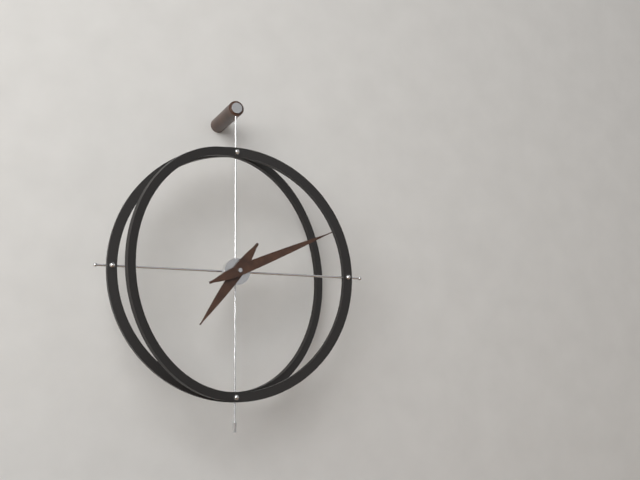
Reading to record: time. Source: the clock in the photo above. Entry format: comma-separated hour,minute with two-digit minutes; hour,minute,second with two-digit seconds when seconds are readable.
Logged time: 7,11
